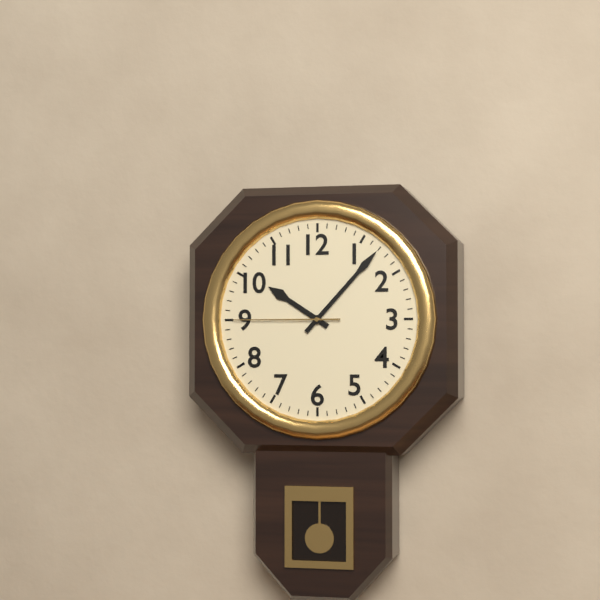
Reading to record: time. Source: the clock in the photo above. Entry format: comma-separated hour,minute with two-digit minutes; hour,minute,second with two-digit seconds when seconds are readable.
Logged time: 10,07,45
